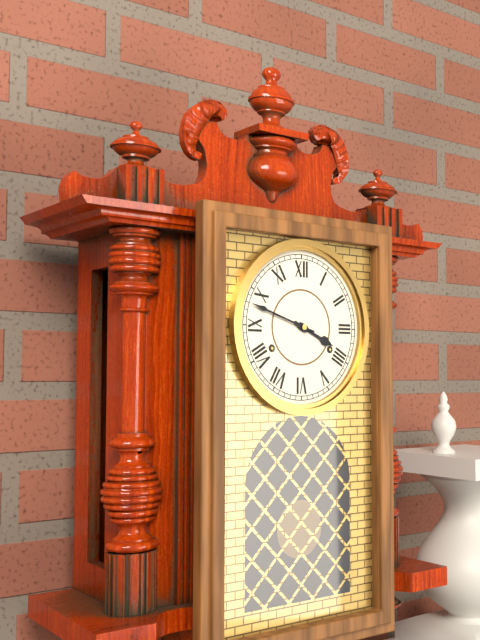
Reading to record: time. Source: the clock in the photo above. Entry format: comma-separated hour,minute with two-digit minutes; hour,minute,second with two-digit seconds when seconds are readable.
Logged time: 3,48
